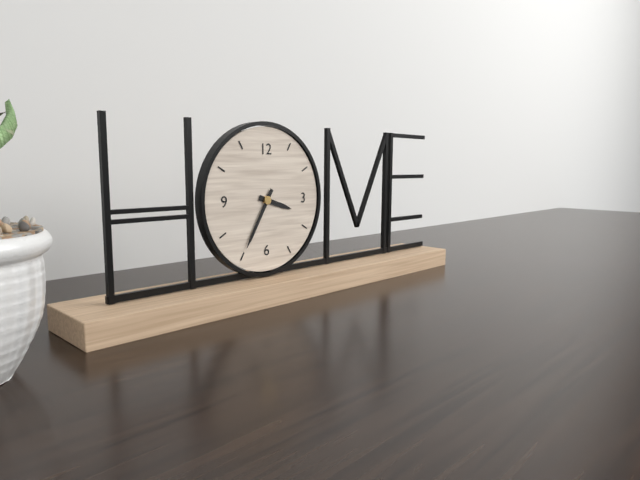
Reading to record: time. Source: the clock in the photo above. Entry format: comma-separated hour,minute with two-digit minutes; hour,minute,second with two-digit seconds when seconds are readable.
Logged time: 3,35
